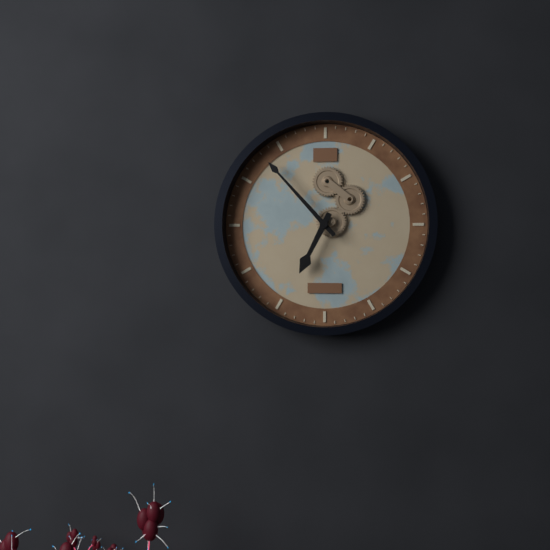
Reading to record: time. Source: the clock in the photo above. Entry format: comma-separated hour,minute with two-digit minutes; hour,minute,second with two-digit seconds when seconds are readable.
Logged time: 6,53
